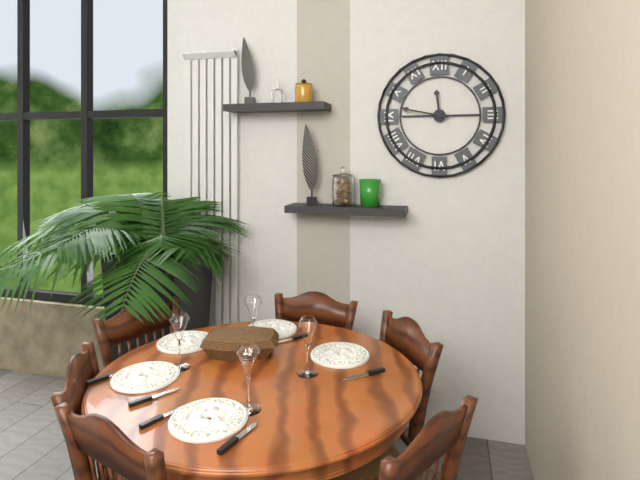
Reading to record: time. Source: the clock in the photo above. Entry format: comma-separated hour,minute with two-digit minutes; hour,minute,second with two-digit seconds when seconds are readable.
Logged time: 11,47
